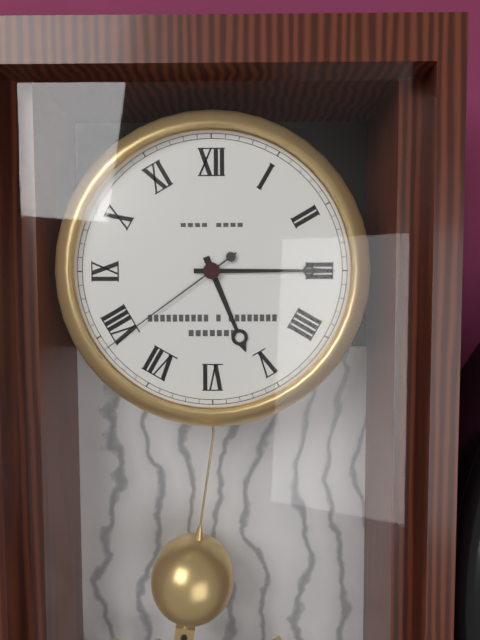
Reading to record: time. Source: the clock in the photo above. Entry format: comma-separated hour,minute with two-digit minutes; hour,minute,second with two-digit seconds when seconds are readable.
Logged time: 5,15,39
